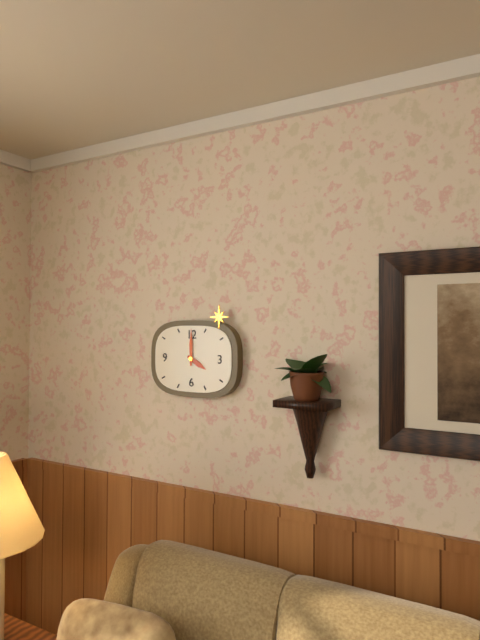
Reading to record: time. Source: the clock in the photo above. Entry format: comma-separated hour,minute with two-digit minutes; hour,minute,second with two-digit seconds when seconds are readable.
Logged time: 4,00
